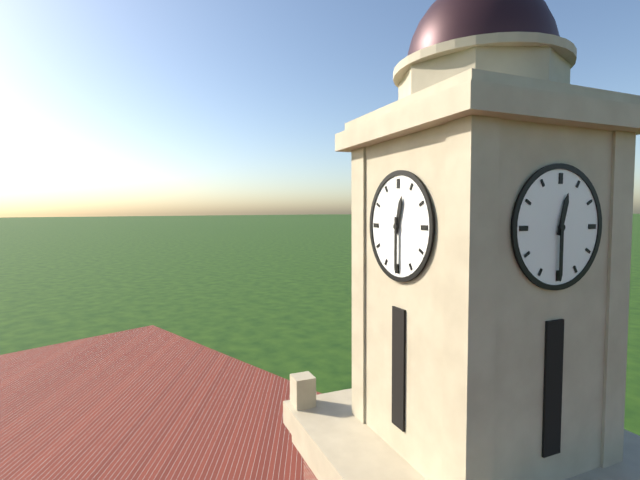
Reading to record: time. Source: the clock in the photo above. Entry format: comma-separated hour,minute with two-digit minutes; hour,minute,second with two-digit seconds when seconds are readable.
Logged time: 12,30
